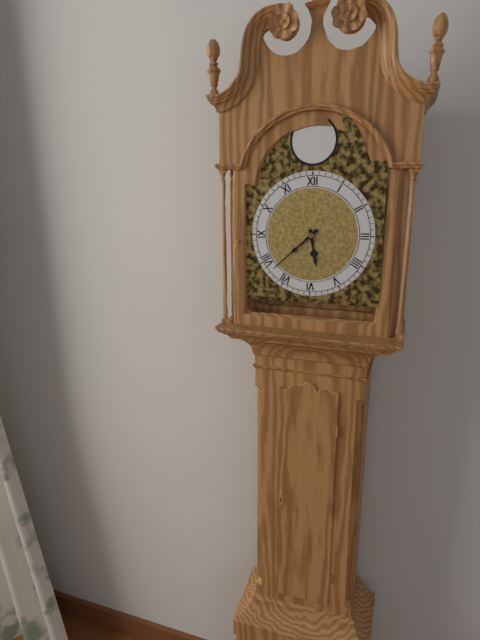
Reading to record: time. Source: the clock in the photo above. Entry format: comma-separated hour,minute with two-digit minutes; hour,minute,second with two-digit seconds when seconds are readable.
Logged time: 5,38
